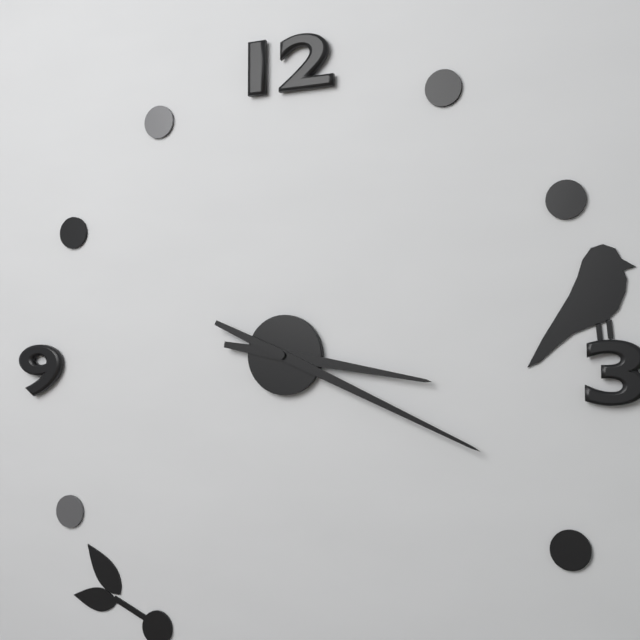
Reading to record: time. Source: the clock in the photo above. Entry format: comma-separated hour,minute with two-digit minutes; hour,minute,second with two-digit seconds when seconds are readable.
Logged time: 3,19
